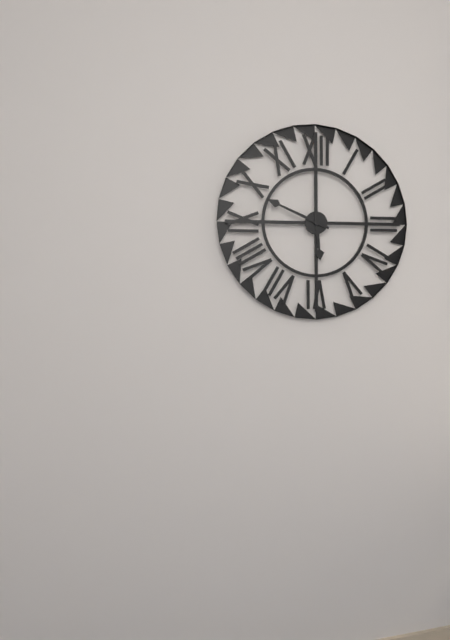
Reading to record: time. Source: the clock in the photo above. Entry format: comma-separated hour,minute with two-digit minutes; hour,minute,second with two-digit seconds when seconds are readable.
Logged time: 5,49
